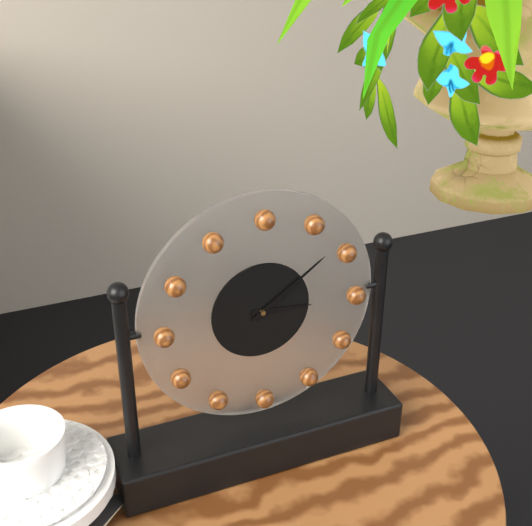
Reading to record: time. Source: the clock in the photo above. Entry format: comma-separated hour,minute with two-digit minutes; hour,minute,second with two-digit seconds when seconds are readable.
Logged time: 3,09
